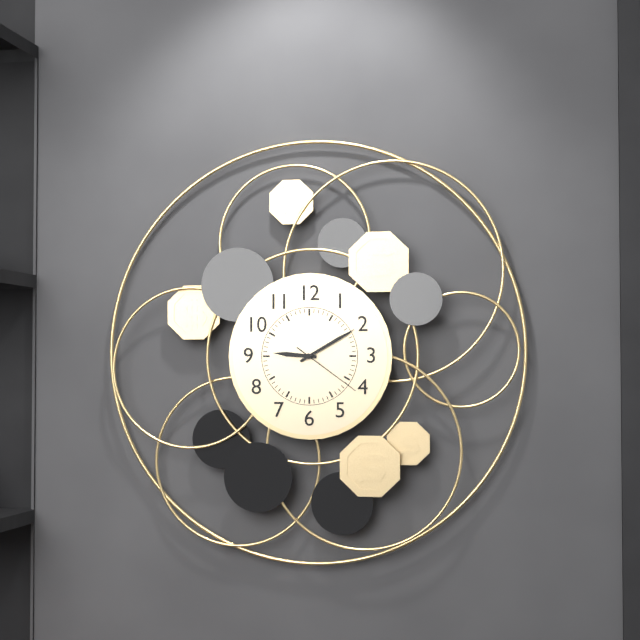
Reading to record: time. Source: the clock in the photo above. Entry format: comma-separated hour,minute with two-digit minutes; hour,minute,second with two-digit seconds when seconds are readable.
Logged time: 9,10,21
